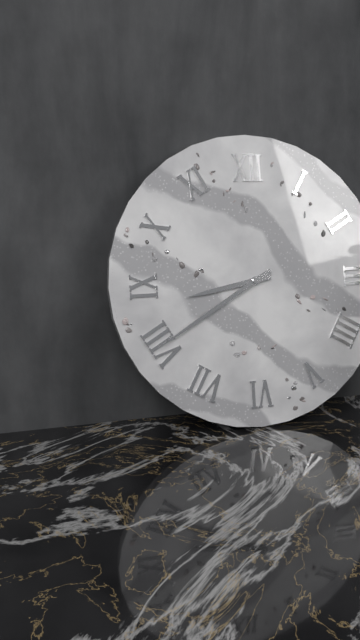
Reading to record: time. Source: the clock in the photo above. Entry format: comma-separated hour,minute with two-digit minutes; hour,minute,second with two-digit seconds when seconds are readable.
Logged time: 8,40
